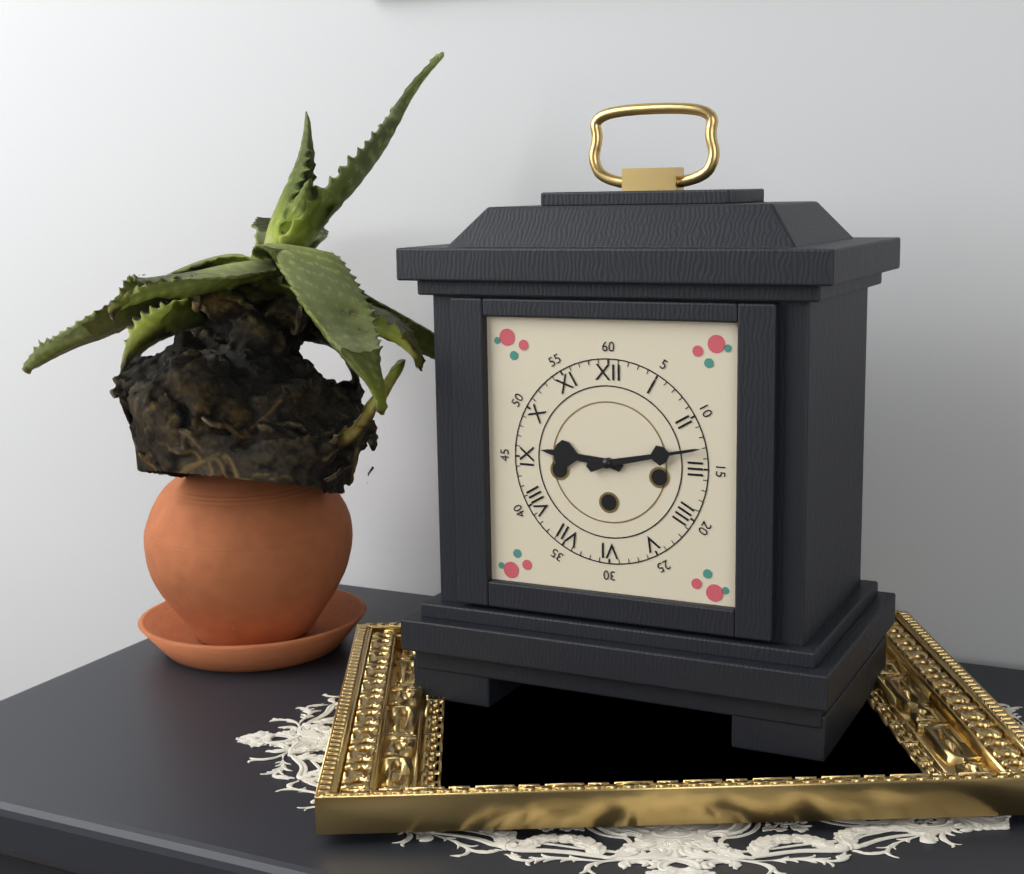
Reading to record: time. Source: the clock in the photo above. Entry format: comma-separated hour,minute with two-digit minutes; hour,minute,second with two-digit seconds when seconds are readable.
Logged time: 9,13
